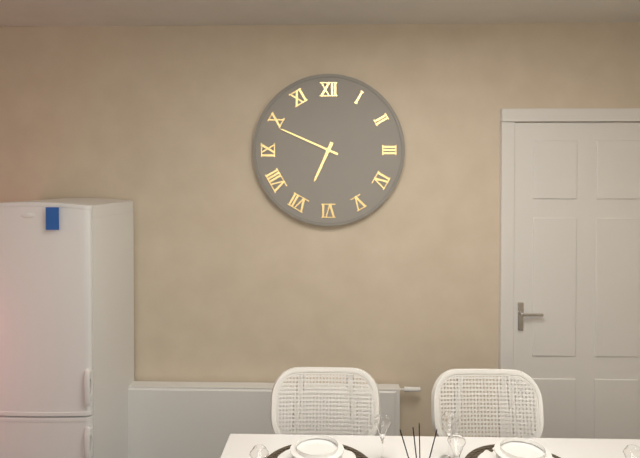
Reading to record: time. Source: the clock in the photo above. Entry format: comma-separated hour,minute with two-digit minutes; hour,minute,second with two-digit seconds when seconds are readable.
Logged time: 6,49
